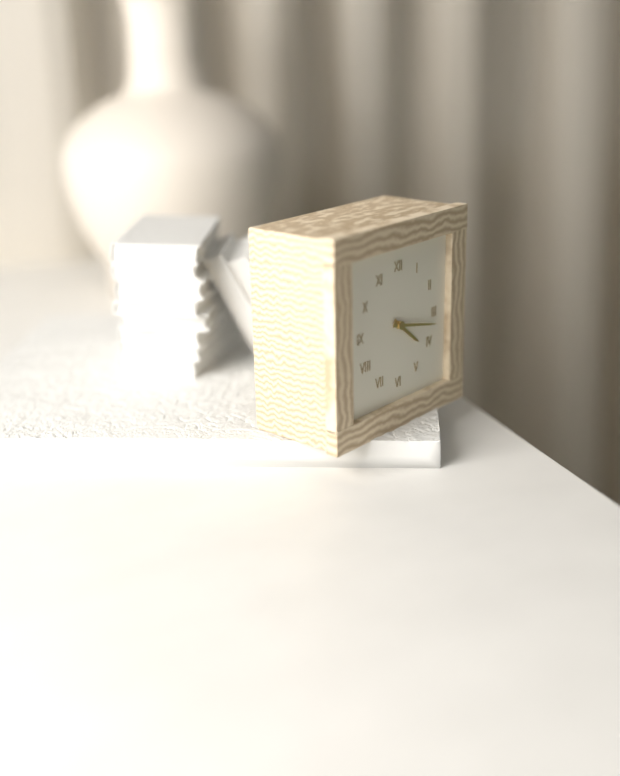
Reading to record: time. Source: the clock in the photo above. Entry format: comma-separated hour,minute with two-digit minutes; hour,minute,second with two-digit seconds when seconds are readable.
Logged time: 4,17
